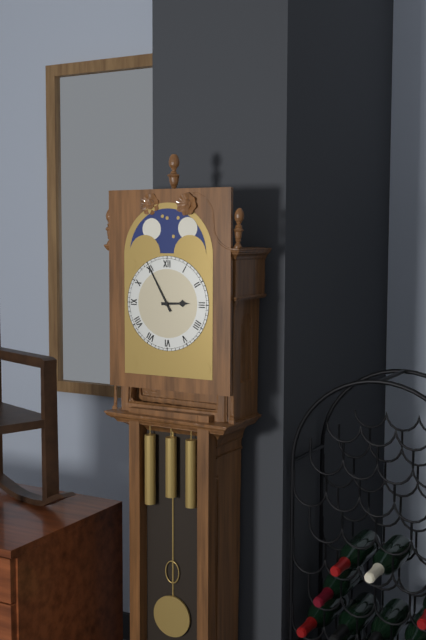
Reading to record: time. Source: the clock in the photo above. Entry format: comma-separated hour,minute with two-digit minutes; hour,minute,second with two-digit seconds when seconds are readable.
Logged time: 2,55
